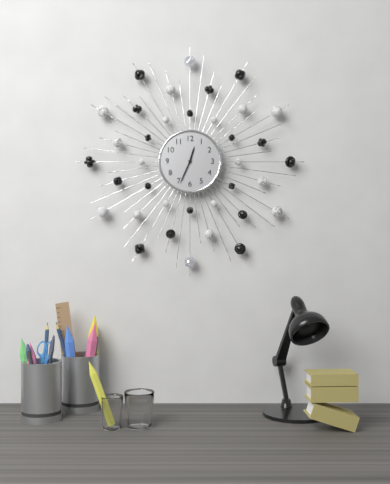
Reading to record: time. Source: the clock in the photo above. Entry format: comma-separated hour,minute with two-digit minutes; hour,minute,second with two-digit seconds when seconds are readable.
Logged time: 12,34
